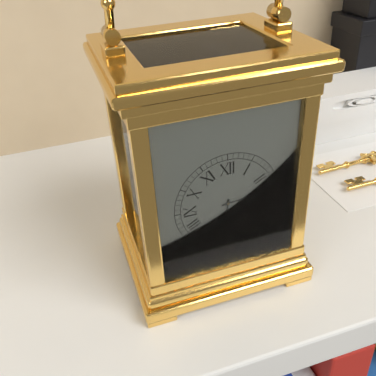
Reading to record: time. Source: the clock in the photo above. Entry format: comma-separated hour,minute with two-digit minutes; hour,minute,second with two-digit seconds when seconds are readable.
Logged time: 6,14
